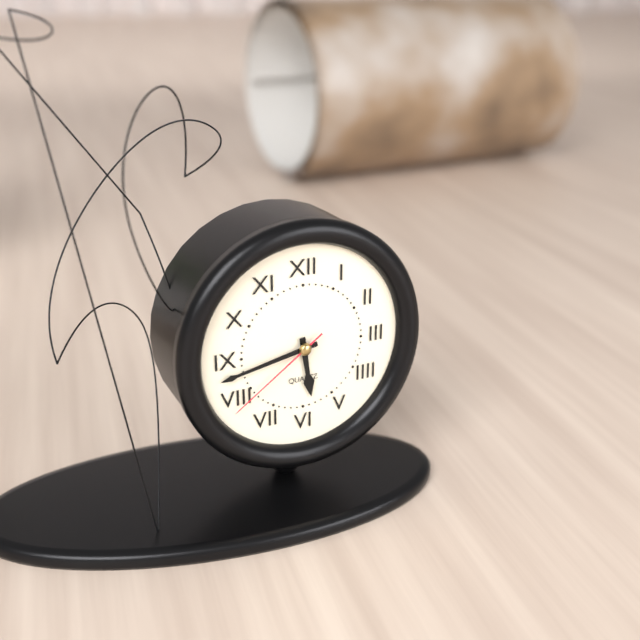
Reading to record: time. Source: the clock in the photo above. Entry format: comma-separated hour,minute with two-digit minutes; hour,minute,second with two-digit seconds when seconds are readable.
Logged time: 5,43,39
